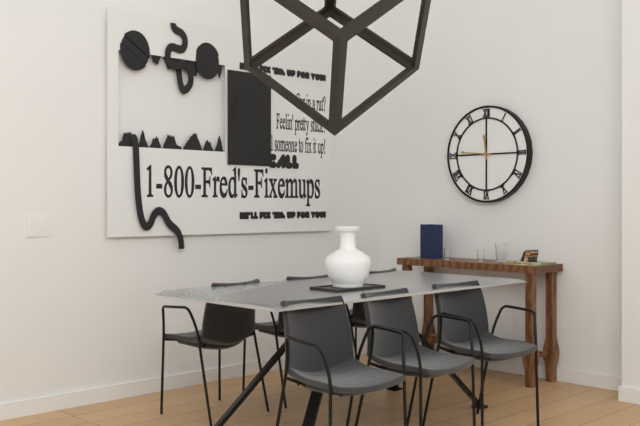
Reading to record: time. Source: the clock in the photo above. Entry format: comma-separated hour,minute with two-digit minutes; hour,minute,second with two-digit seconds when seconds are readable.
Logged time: 11,46
